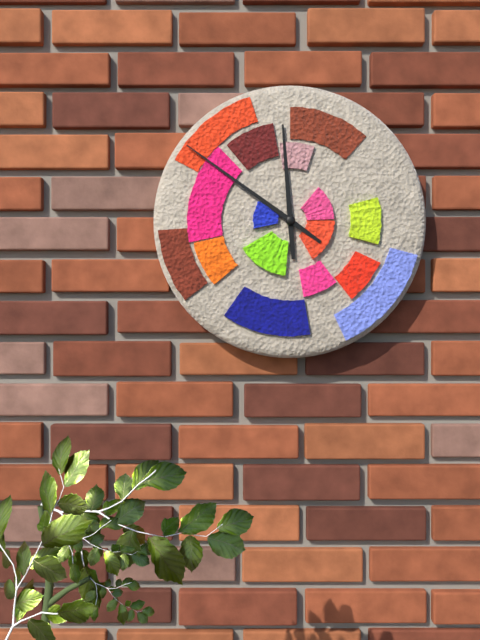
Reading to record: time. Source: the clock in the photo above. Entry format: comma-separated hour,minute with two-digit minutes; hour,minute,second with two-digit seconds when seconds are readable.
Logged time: 11,51
